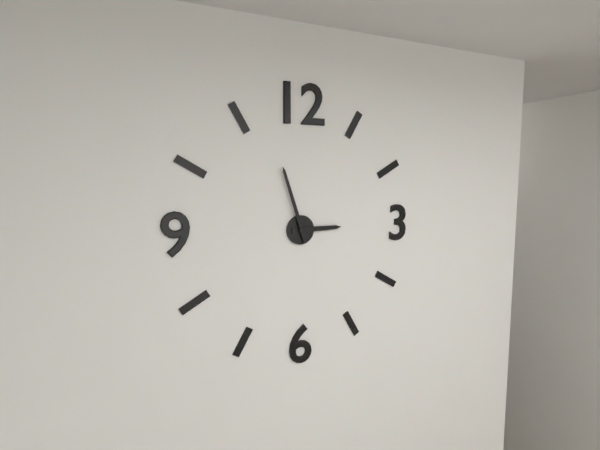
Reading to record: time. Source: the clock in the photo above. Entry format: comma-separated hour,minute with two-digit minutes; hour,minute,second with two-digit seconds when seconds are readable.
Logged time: 2,57
